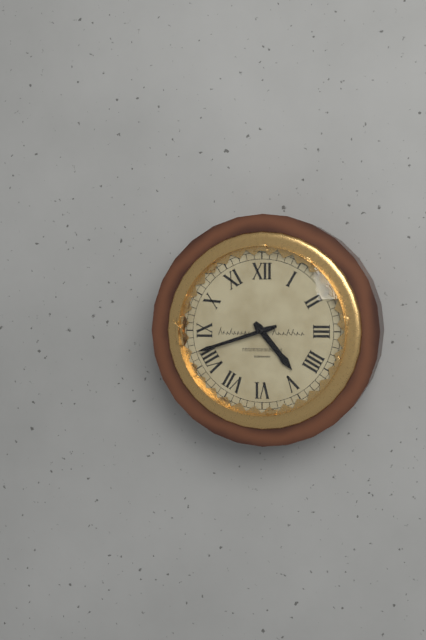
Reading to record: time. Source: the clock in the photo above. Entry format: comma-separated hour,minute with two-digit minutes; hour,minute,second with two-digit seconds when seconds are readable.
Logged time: 4,42
